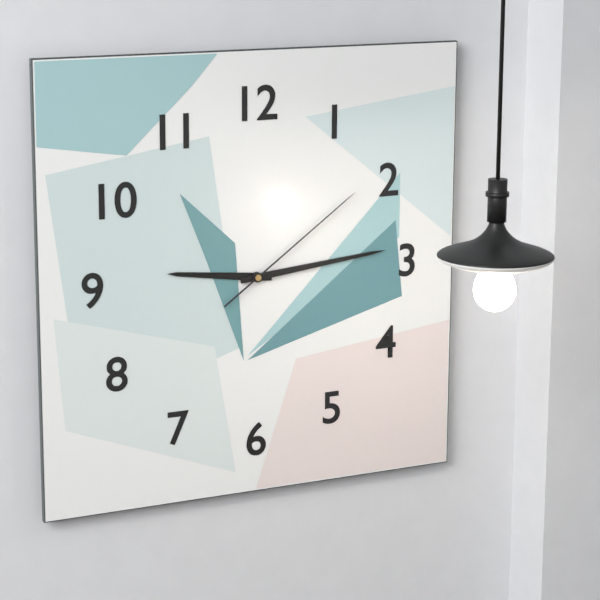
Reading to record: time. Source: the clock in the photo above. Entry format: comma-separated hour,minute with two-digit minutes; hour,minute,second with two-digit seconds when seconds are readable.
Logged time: 9,14,09
